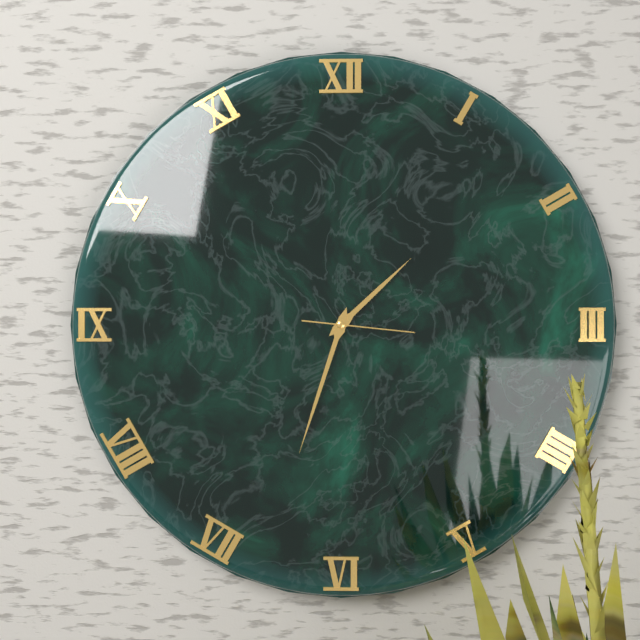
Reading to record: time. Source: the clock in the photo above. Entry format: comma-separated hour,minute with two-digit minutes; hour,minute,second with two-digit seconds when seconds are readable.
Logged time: 1,33,16
